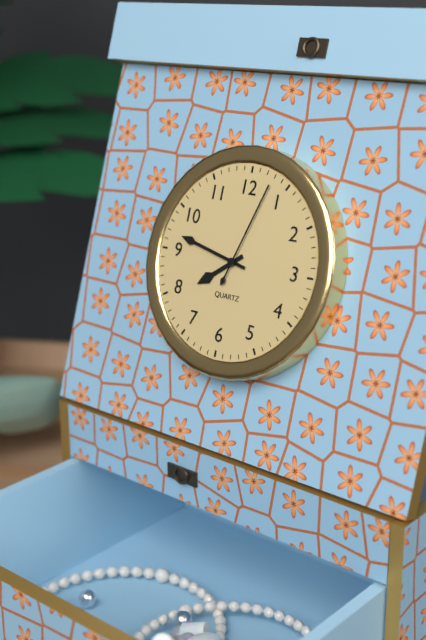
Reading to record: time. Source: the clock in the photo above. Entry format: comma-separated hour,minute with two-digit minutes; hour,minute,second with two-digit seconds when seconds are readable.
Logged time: 7,47,03
